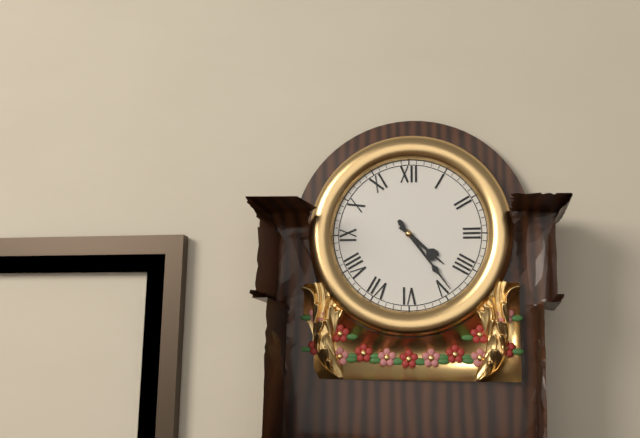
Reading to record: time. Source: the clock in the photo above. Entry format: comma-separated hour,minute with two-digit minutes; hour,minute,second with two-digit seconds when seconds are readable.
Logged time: 4,24
